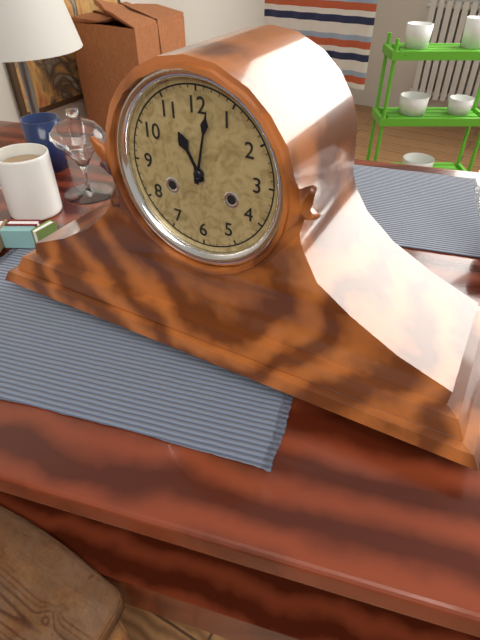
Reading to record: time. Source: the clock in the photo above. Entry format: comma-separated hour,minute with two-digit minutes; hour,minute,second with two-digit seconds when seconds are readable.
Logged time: 11,02
